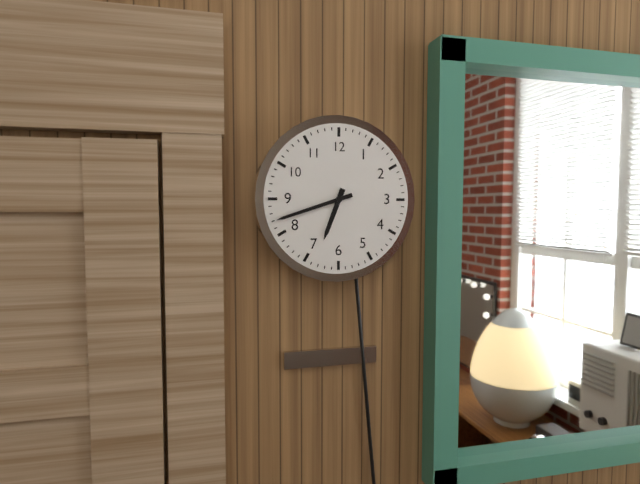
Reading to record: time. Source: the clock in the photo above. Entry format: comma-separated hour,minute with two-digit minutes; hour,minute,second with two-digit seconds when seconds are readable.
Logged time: 6,42
